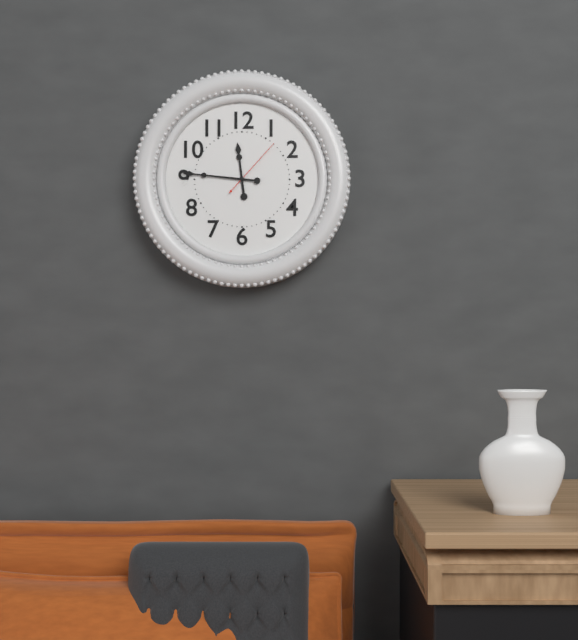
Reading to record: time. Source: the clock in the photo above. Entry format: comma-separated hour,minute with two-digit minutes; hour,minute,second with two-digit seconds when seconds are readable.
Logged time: 11,46,07
